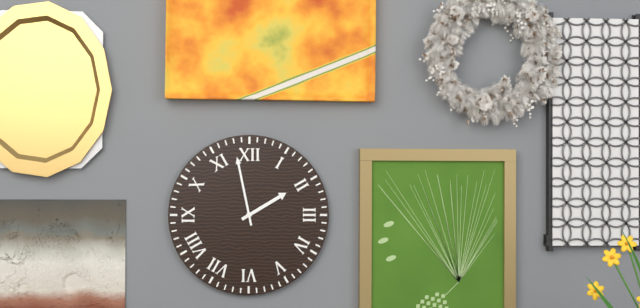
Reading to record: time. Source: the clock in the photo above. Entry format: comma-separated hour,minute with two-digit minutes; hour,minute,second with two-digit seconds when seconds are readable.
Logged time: 1,58
